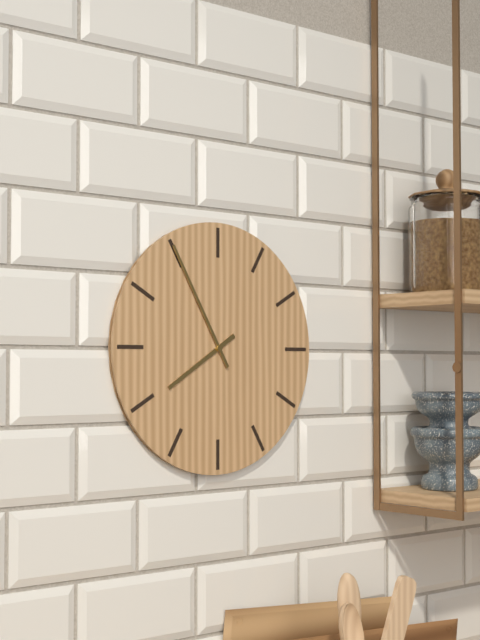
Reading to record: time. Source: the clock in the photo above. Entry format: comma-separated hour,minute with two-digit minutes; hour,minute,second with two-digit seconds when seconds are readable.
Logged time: 7,55
